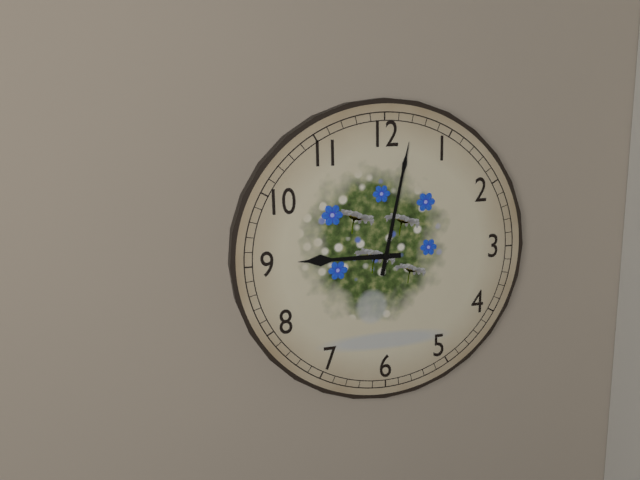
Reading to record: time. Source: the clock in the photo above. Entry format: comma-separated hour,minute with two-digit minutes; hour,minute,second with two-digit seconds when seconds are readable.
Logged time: 9,02
